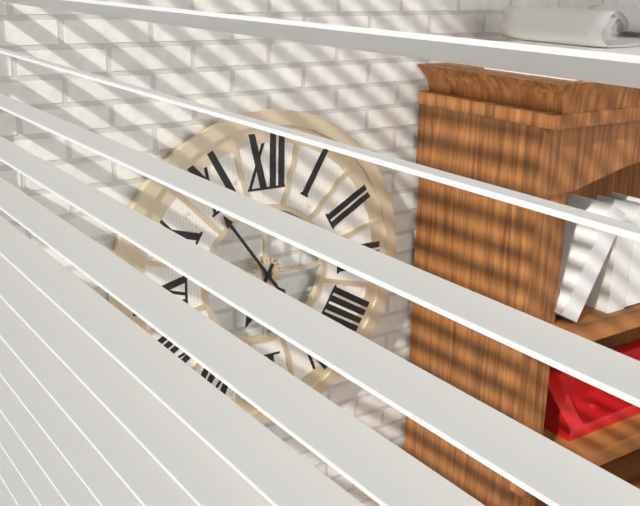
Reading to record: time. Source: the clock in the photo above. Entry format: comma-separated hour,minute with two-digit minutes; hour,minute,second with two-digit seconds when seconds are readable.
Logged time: 6,54
